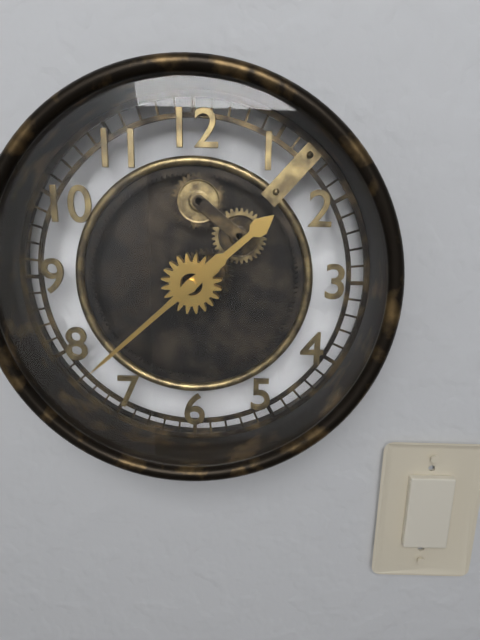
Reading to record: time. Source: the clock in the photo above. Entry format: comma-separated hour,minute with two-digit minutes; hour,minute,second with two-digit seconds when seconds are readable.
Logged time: 1,38
